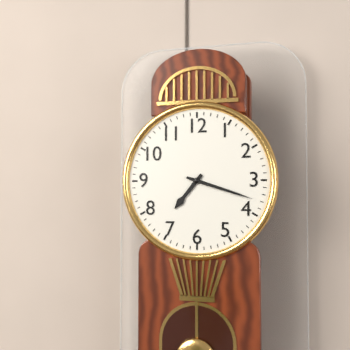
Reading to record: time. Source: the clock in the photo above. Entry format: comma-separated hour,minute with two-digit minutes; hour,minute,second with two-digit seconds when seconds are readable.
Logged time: 7,18
